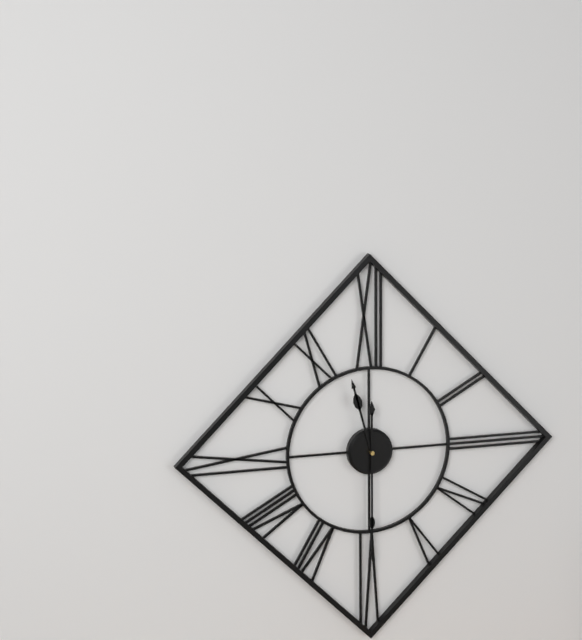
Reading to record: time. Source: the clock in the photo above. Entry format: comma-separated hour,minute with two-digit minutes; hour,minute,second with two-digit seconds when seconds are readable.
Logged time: 11,30
